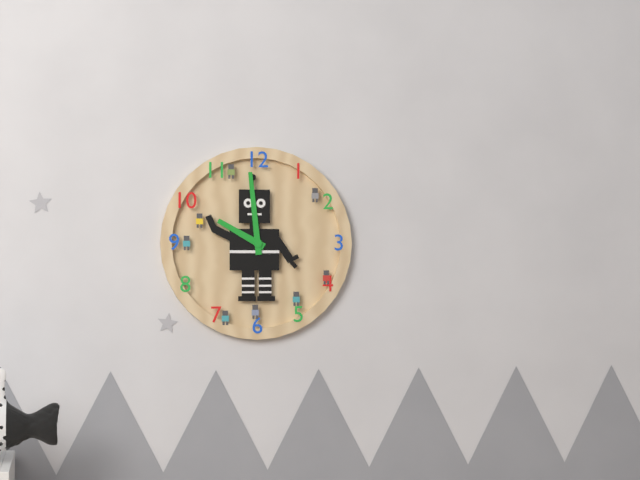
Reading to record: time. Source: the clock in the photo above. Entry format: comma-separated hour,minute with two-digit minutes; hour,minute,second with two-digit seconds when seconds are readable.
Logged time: 9,59
